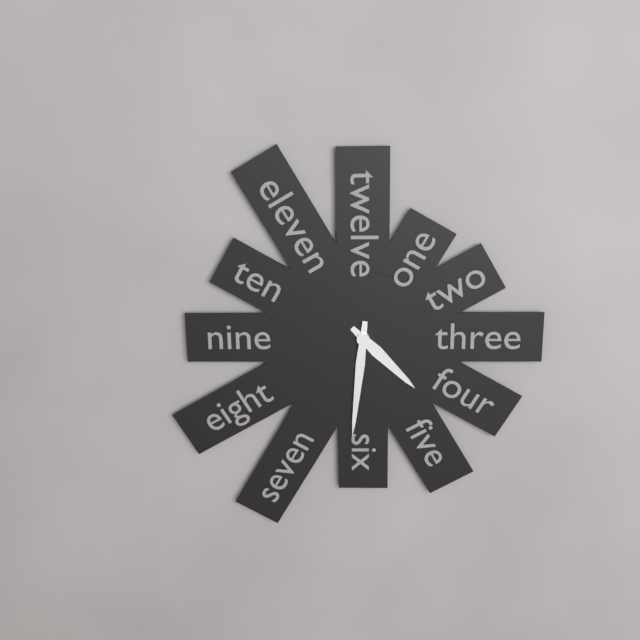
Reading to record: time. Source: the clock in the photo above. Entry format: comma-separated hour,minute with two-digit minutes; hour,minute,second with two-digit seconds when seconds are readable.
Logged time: 4,31
